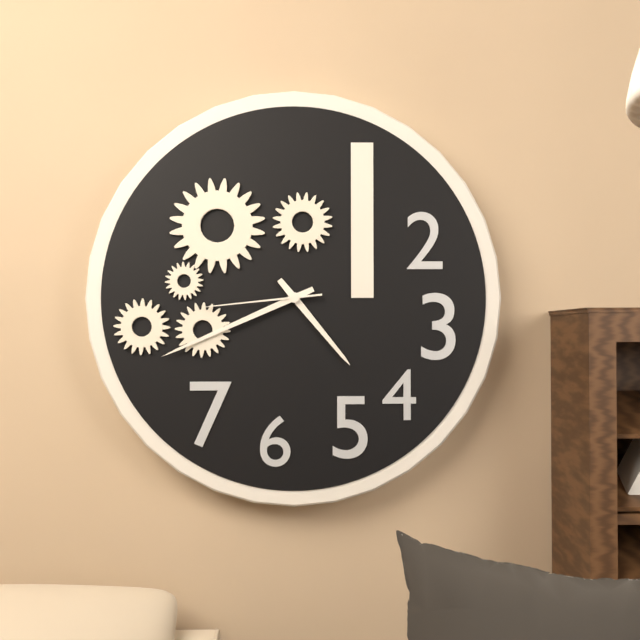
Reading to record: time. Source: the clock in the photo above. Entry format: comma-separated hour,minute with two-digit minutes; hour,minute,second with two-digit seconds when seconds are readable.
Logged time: 4,41,44
